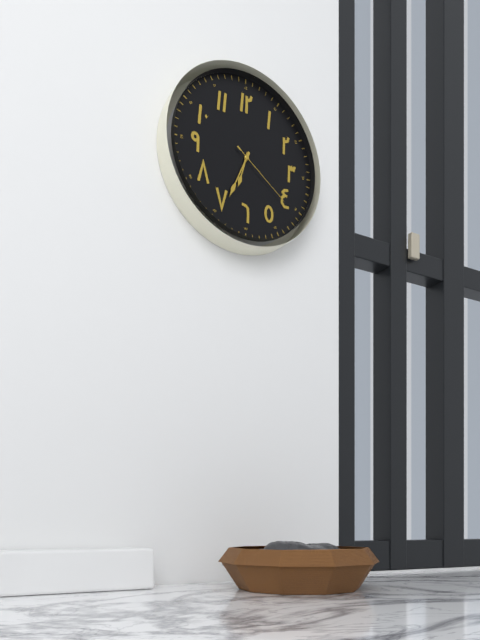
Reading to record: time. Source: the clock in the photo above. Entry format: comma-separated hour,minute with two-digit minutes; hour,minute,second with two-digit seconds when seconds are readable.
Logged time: 6,34,21
